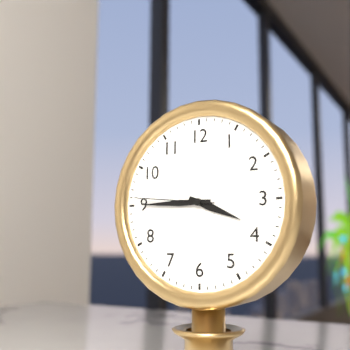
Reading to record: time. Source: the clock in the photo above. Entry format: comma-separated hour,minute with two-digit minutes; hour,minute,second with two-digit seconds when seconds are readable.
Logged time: 3,45,46
